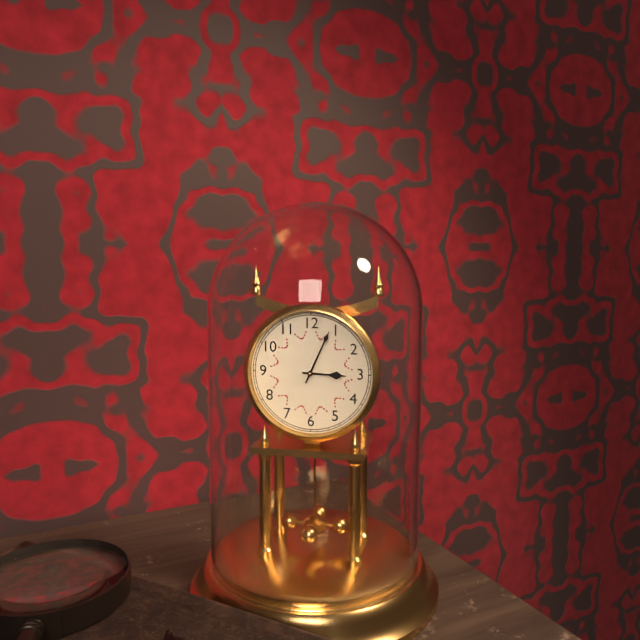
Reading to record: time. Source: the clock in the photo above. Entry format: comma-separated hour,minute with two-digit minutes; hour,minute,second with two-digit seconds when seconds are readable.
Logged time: 3,04
